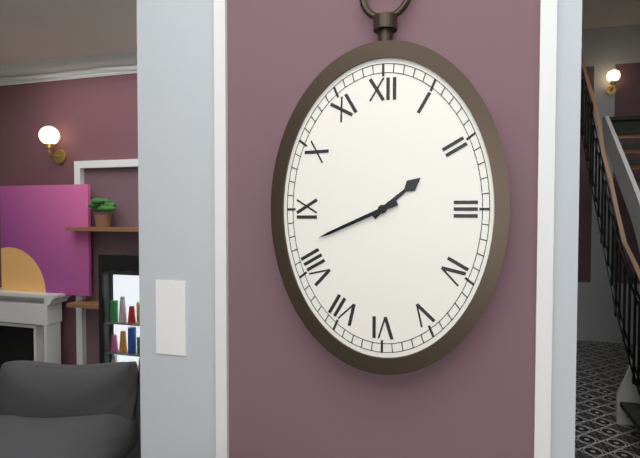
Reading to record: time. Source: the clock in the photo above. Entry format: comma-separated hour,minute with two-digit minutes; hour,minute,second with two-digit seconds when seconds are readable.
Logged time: 1,41
